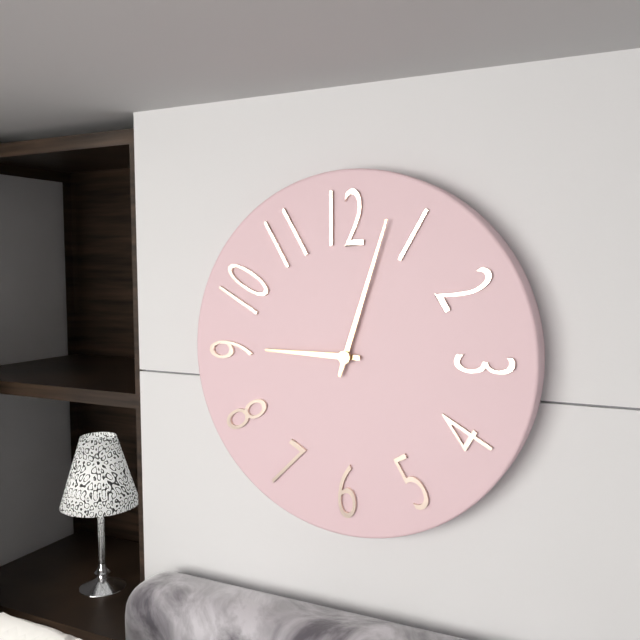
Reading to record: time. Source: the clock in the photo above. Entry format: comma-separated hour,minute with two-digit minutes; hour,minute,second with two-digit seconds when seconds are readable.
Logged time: 9,03
